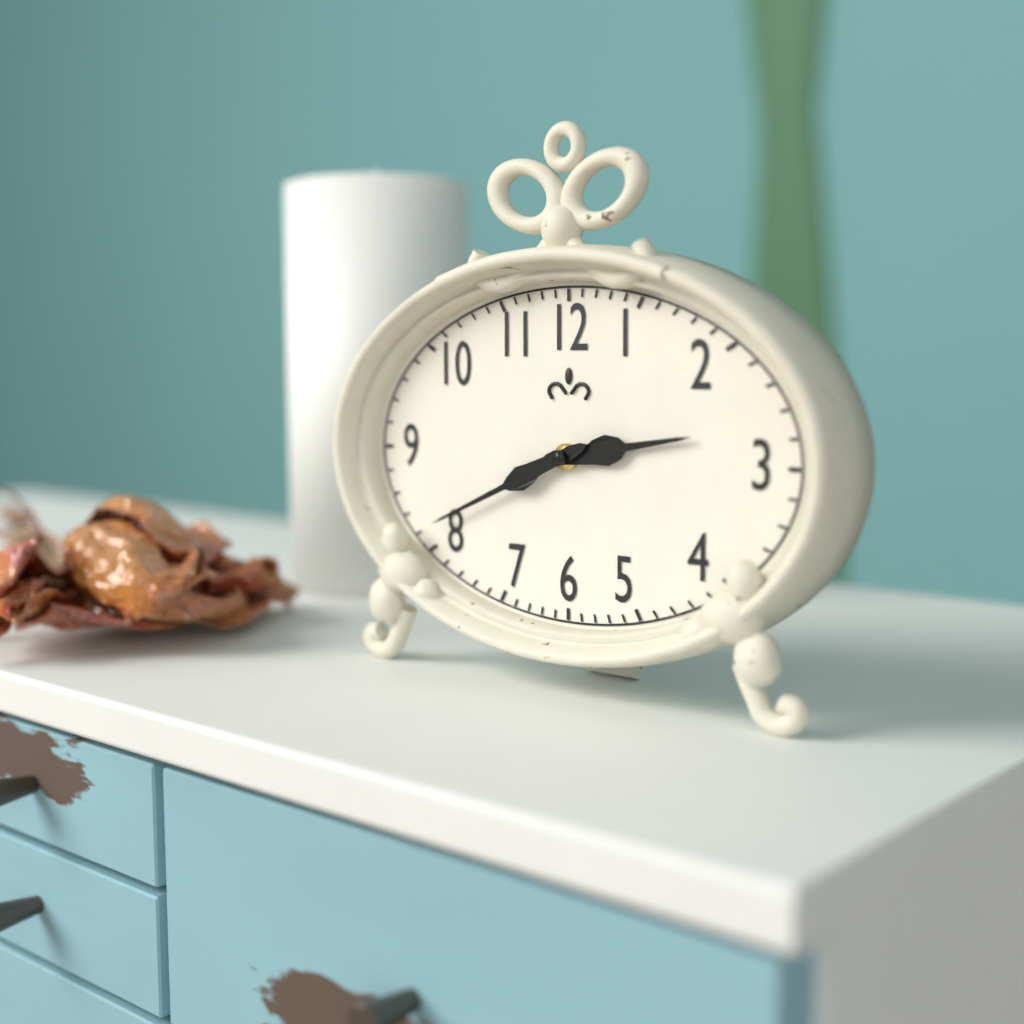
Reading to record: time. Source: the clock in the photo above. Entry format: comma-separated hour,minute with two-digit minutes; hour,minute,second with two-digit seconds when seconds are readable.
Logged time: 2,41
